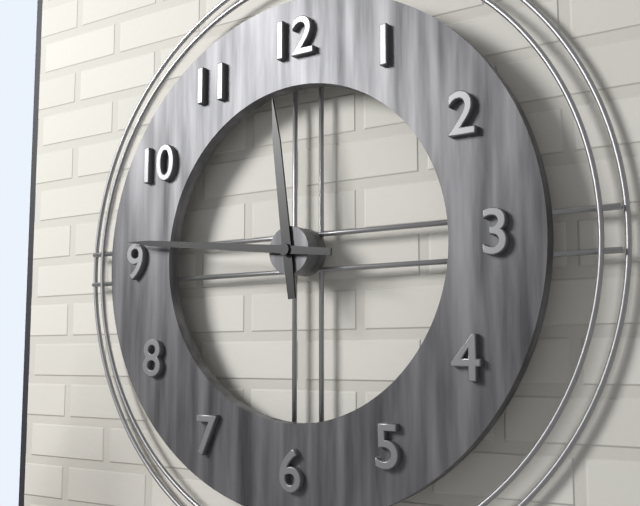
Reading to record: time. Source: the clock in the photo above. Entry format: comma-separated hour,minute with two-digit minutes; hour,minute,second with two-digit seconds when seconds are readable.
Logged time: 11,46
